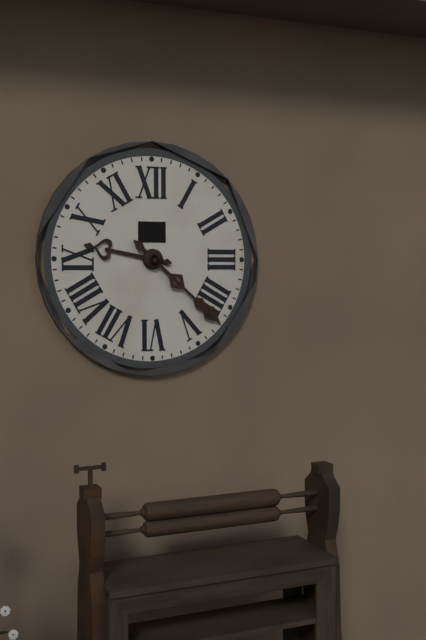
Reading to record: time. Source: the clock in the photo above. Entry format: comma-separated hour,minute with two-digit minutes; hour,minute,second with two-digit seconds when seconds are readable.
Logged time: 9,22
